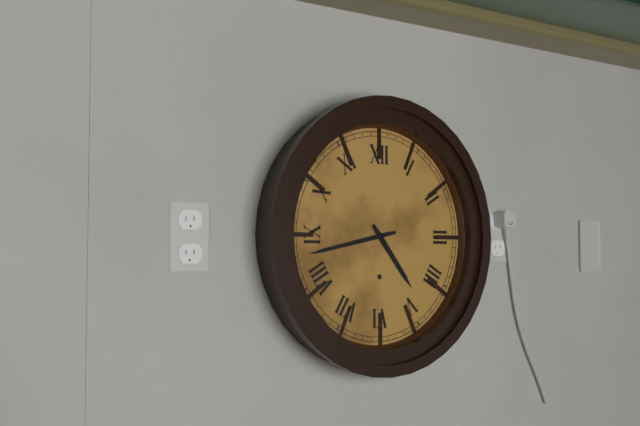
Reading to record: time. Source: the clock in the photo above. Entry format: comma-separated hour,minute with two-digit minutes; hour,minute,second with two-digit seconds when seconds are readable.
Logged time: 4,43
